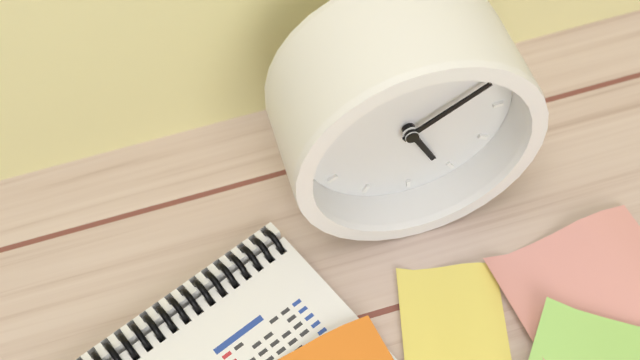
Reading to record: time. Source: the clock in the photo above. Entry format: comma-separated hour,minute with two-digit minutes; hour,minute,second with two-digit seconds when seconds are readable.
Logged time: 5,10
